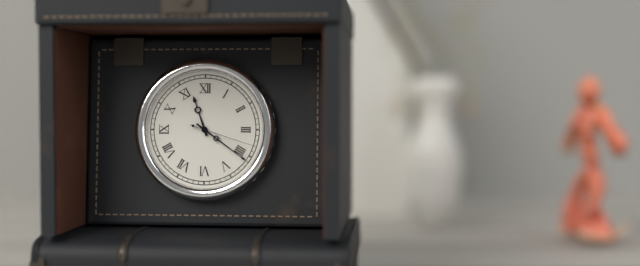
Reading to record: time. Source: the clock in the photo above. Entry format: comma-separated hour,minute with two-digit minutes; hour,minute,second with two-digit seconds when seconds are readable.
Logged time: 11,21,18
